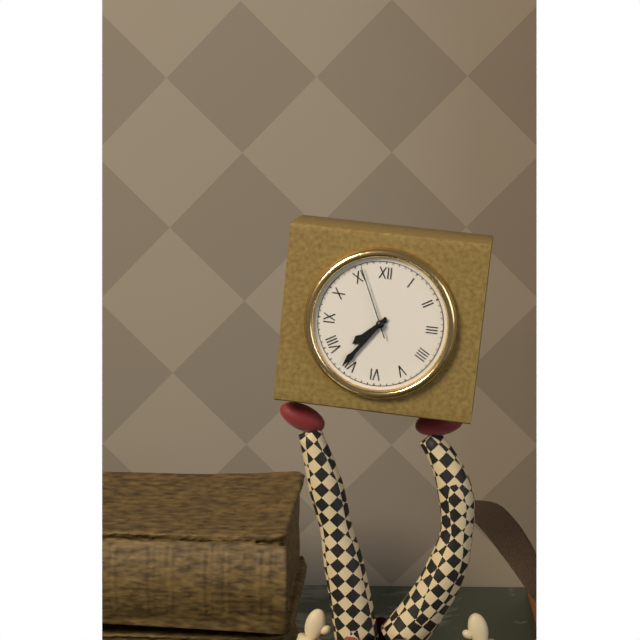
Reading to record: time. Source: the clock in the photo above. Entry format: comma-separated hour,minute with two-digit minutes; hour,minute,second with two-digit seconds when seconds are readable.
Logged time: 7,36,56
